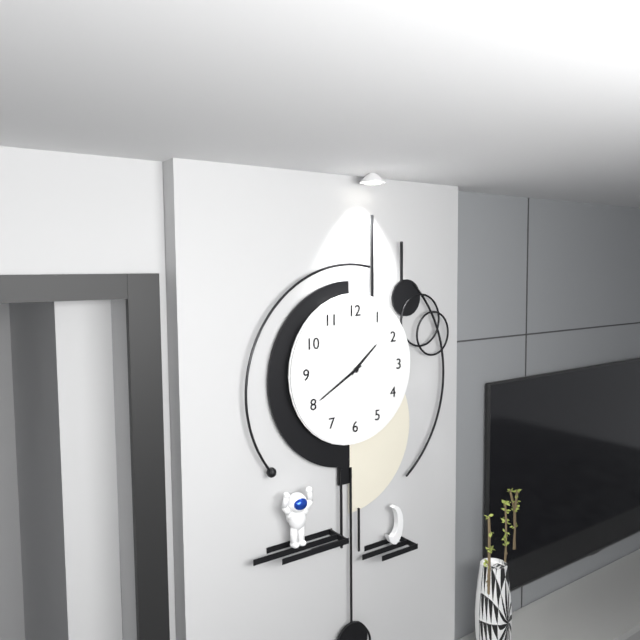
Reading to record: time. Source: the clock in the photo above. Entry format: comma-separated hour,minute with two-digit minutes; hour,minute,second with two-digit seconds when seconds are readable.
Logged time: 1,40
